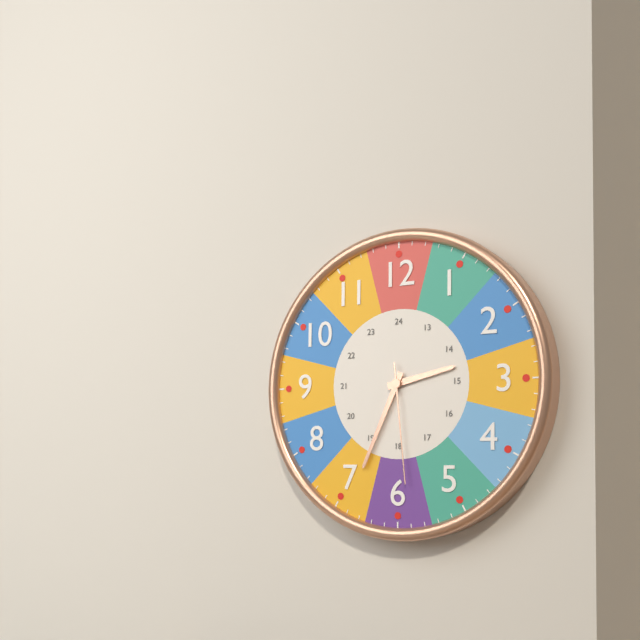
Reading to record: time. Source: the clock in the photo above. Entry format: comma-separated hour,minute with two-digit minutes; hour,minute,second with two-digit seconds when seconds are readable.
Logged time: 2,34,29
